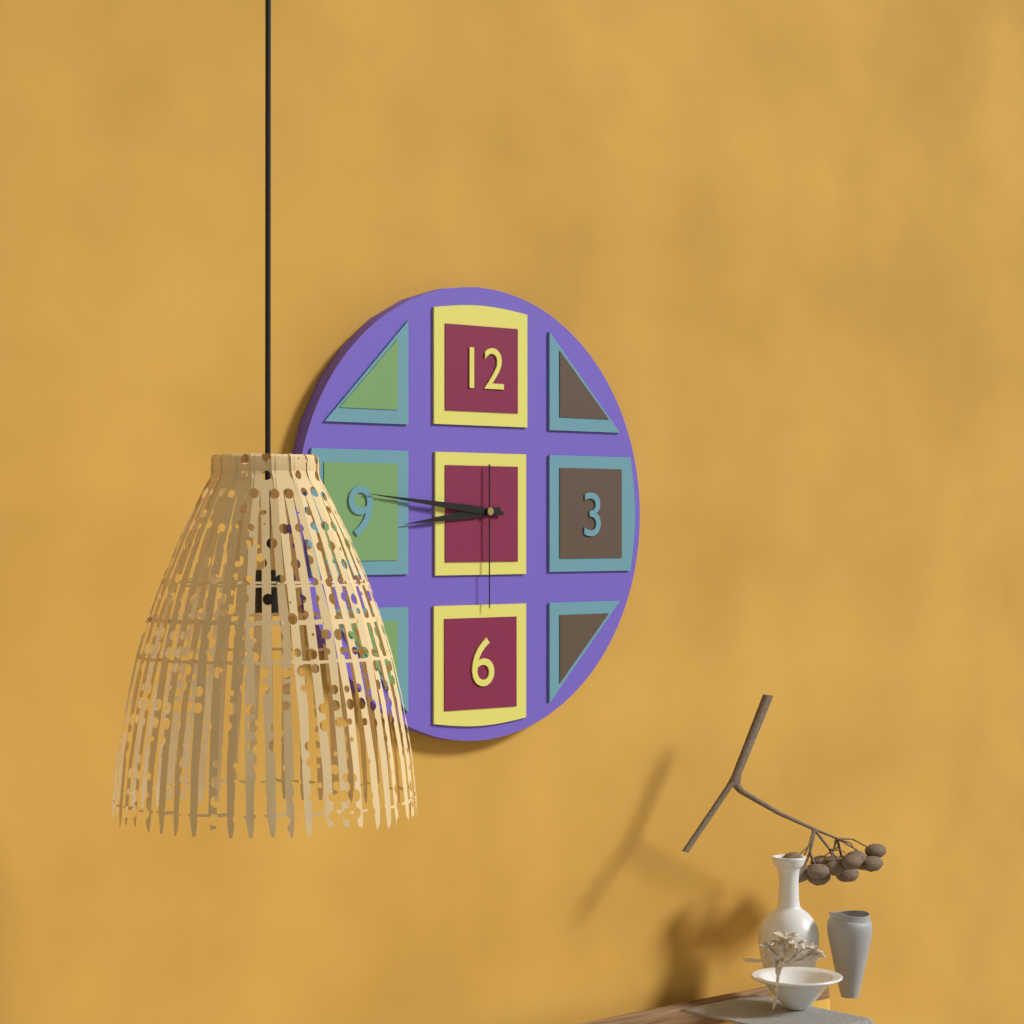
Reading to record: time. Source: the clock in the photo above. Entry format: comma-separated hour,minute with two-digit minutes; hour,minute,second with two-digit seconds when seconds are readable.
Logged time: 8,46,30
